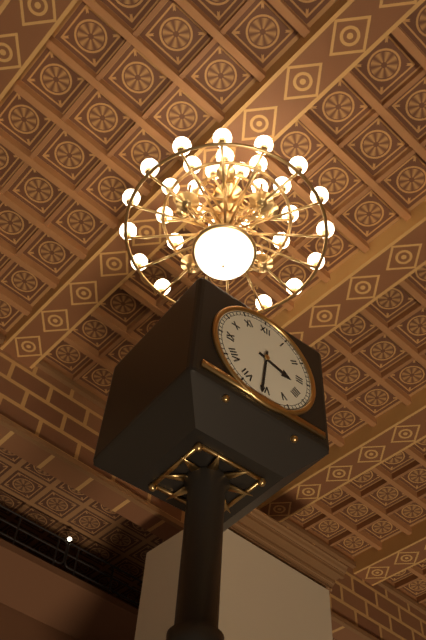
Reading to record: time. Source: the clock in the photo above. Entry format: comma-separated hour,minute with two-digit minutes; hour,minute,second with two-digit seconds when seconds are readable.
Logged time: 3,31
